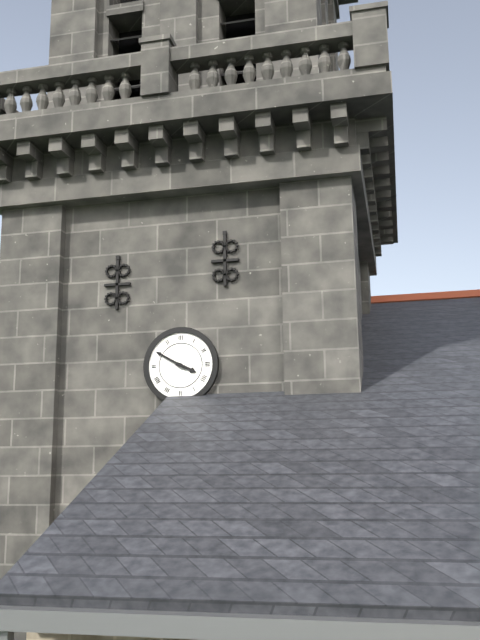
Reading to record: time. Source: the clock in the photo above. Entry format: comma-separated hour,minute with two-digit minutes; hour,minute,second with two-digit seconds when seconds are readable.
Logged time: 3,50
